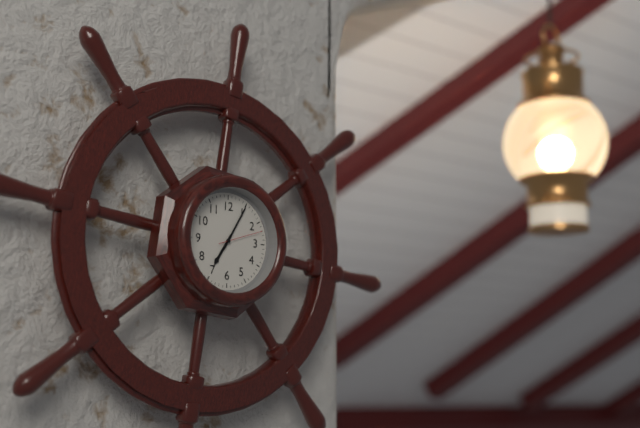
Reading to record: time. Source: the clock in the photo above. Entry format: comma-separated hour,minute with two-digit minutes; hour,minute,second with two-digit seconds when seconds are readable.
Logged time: 7,05
